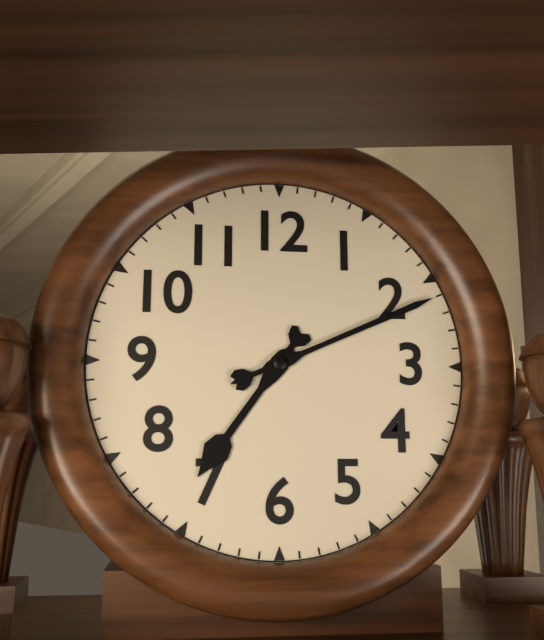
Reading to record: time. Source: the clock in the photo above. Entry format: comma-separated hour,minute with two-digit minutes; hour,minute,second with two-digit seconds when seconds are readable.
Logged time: 7,11
